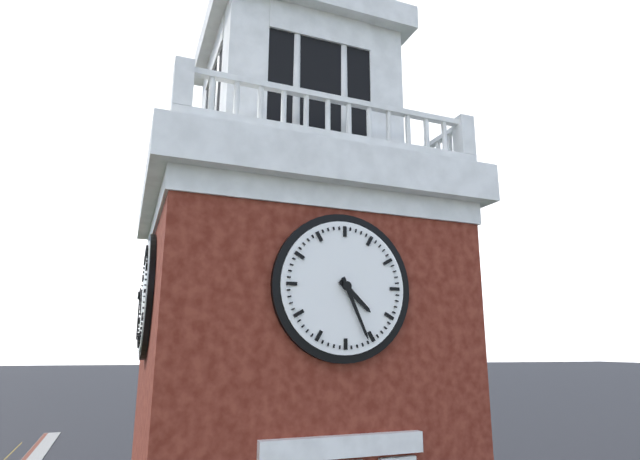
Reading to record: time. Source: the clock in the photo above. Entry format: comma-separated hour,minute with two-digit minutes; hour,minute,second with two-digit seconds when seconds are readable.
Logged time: 4,26
